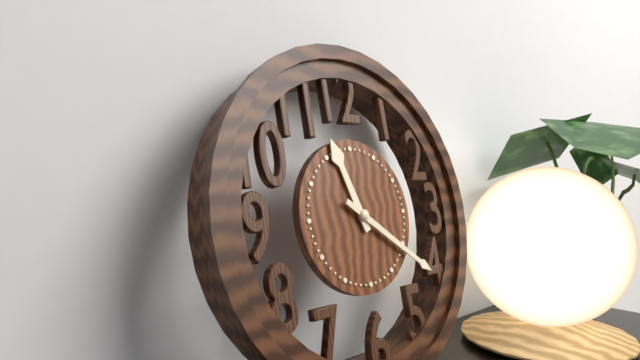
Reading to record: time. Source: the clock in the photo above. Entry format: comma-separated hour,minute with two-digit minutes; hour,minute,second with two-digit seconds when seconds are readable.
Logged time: 11,21
